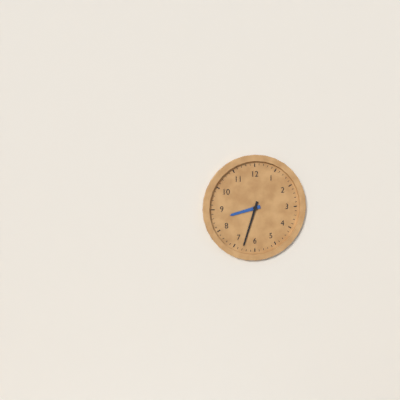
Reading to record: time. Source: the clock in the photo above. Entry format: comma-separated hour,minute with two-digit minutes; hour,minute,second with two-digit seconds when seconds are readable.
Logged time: 8,33
